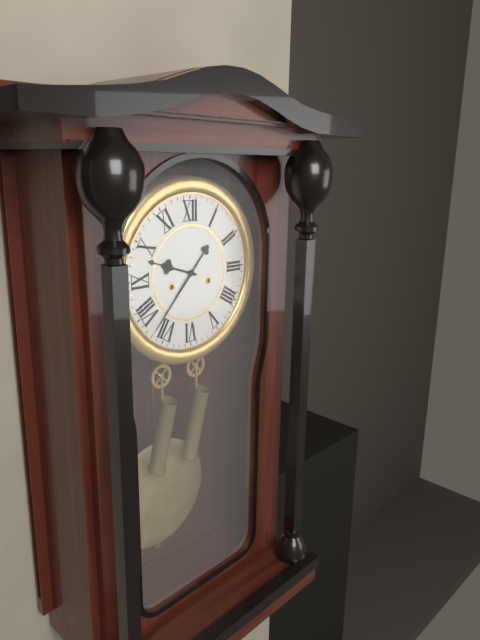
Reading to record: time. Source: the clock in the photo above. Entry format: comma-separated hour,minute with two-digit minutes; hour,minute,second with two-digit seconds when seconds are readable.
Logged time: 9,37
